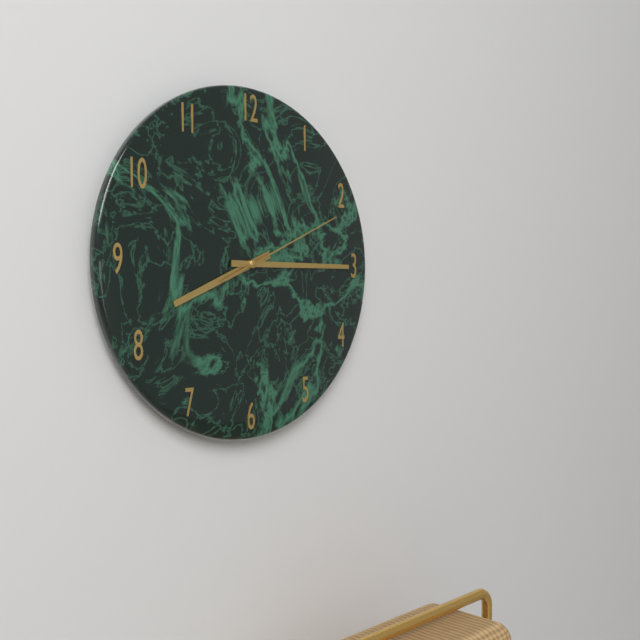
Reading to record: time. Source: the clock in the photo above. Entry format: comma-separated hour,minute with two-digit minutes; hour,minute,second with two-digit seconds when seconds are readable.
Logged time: 8,15,11
